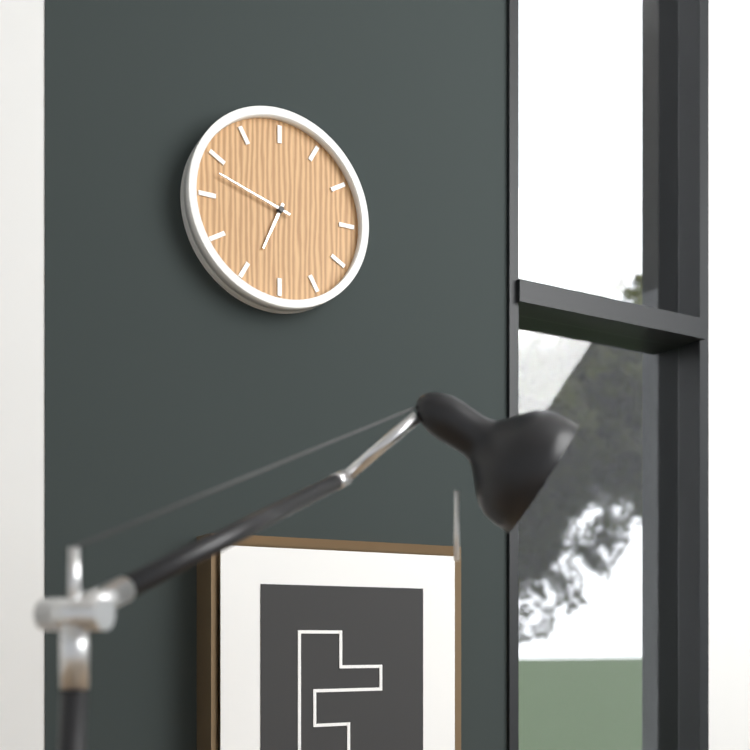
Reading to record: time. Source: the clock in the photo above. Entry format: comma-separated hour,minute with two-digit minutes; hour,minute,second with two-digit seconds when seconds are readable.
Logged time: 6,48
